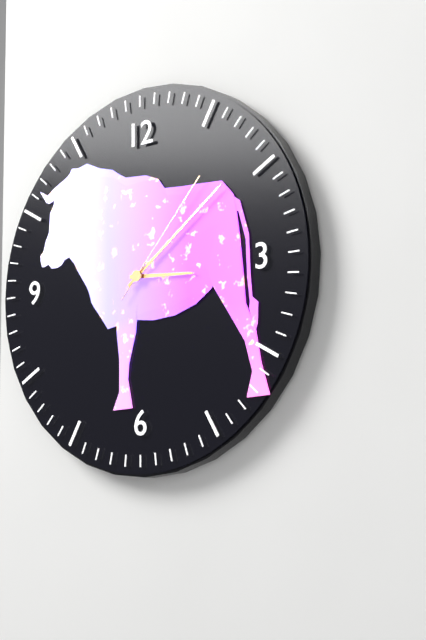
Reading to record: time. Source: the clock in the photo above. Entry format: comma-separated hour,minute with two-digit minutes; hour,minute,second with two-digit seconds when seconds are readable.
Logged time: 3,09,07
